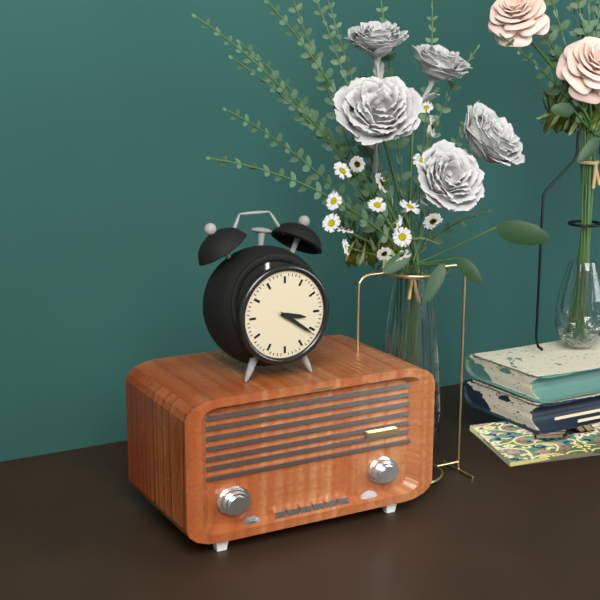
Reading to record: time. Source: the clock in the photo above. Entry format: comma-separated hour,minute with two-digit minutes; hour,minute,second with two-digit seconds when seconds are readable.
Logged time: 3,21
